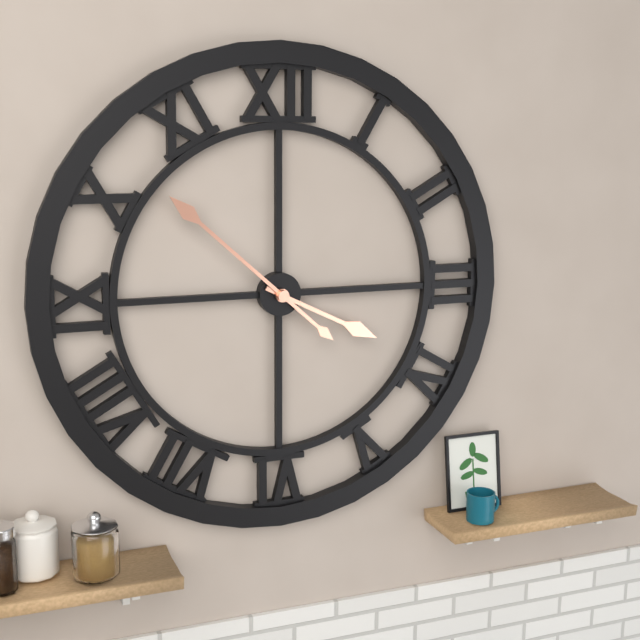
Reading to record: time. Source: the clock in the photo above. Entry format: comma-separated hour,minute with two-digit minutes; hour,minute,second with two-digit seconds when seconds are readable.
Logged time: 3,52
